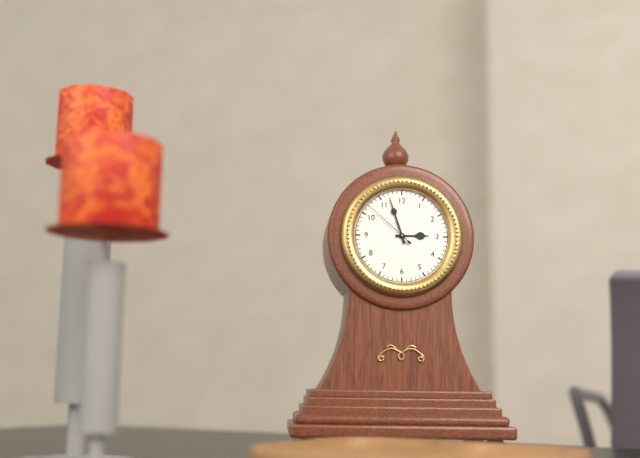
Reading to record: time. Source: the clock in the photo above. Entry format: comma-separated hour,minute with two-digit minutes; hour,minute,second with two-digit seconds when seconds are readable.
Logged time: 2,57,52
